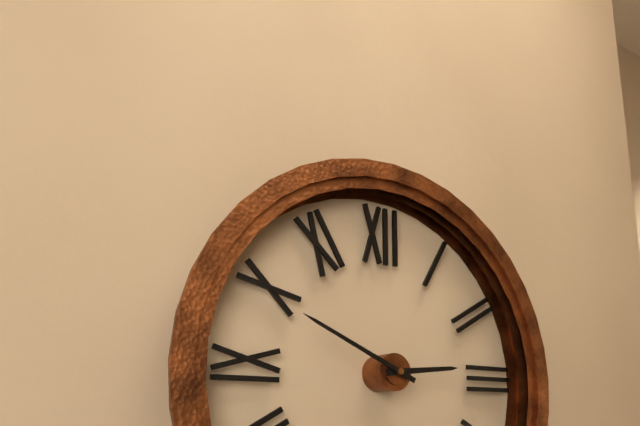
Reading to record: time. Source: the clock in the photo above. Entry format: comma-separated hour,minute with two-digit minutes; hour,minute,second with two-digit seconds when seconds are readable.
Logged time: 2,49
